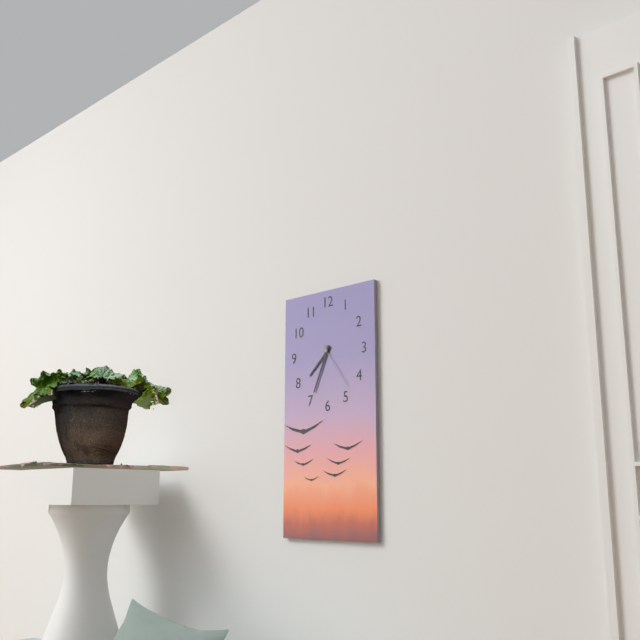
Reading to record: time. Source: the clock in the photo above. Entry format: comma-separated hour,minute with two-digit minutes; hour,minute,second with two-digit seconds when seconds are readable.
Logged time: 7,34,24
